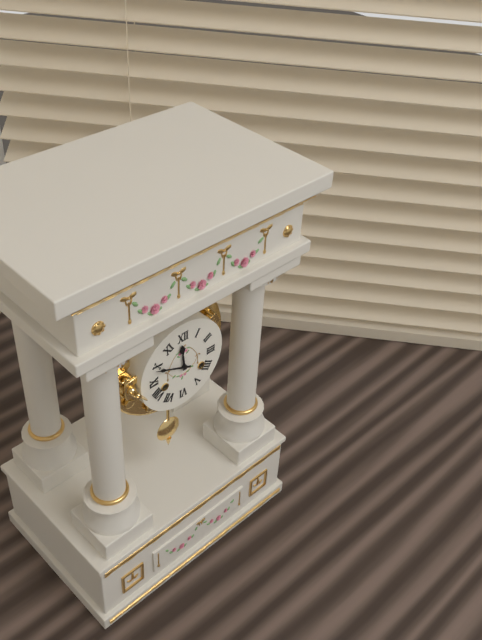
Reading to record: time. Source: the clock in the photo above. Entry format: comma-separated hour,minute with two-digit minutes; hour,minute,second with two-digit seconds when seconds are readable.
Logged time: 11,49
